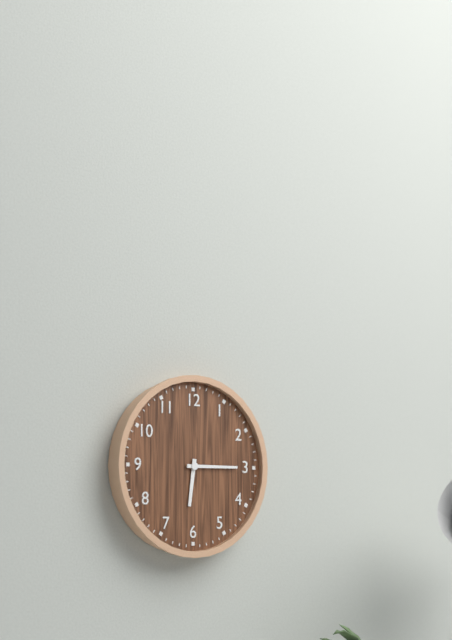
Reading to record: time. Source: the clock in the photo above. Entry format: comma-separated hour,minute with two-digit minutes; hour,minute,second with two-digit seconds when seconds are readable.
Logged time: 6,15
